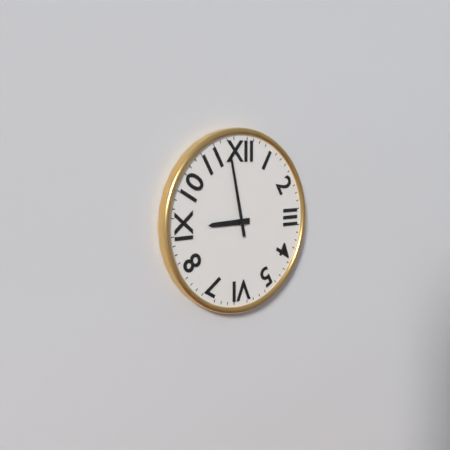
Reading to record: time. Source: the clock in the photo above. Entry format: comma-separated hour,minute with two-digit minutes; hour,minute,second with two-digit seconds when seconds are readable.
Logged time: 8,58
